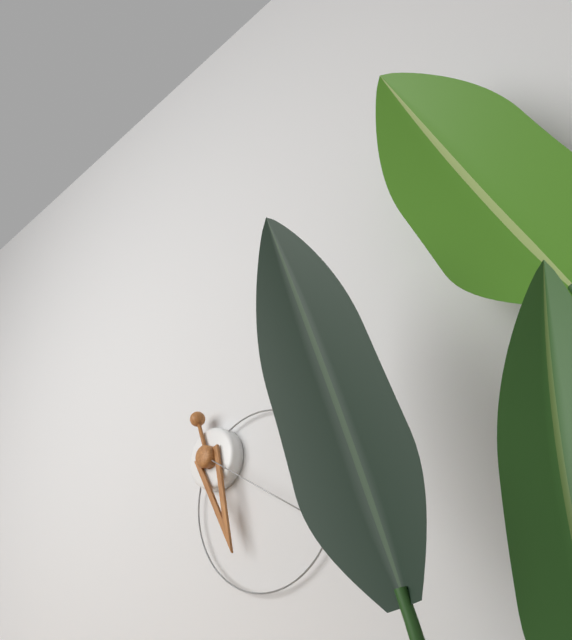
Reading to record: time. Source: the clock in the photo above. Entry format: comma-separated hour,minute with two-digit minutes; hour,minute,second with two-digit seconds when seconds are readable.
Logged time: 5,20
